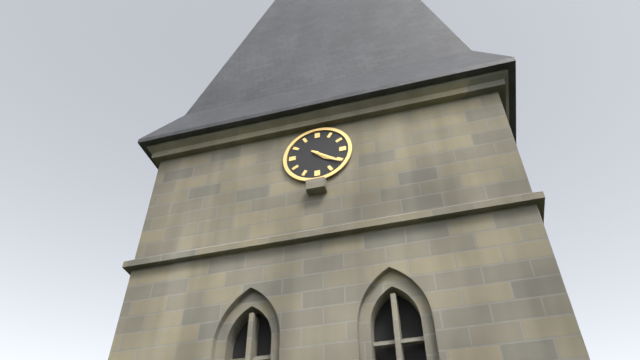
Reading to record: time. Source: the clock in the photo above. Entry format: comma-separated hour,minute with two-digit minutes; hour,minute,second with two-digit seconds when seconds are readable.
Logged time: 4,21
